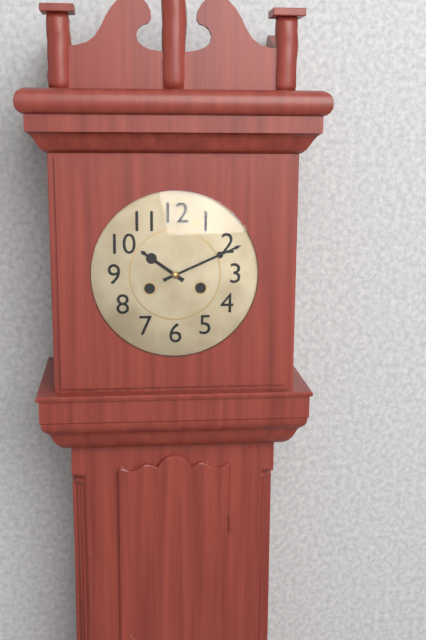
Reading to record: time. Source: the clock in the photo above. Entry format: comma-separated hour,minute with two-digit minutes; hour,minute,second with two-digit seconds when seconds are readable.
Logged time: 10,11
